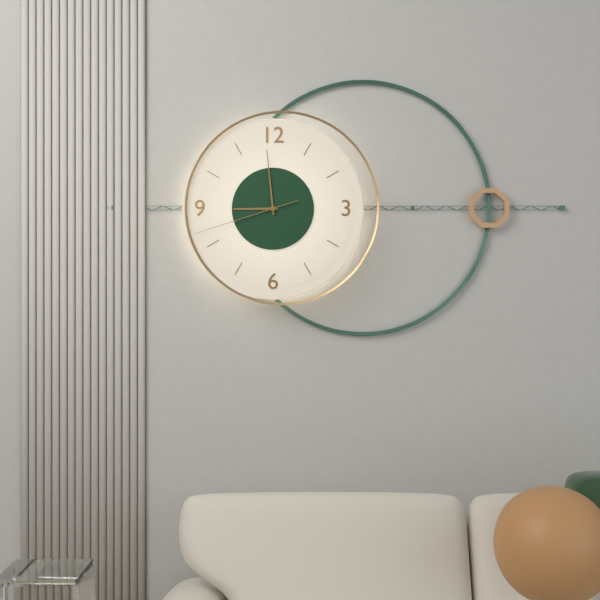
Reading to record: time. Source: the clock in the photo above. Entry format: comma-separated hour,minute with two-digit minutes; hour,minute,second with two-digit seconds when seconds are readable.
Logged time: 8,59,42
